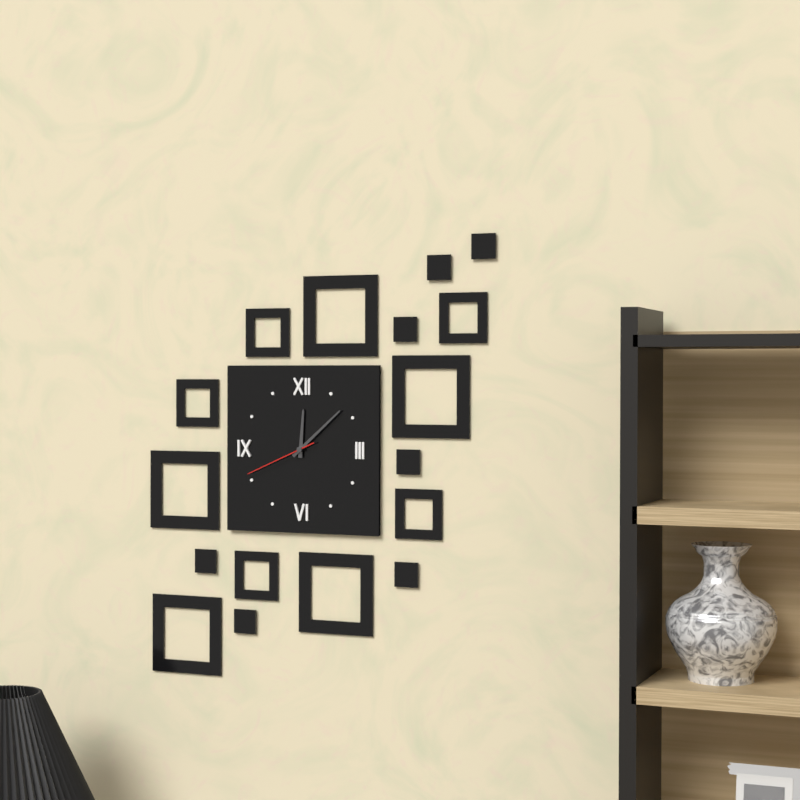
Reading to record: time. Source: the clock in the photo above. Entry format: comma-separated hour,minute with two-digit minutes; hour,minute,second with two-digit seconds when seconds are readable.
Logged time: 12,08,41
